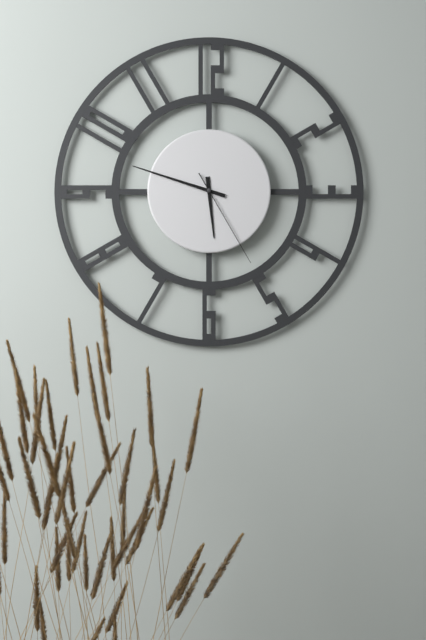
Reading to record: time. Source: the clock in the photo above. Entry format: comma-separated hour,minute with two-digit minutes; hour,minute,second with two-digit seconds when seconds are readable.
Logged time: 5,48,25
